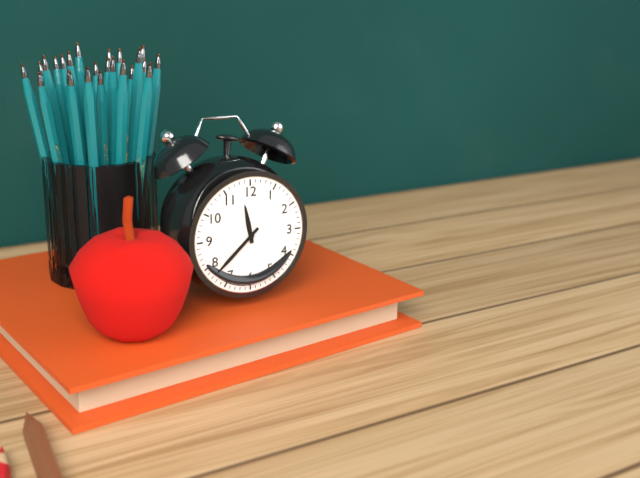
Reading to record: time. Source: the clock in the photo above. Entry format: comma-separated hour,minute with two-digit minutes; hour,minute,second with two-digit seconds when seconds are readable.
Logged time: 11,38
